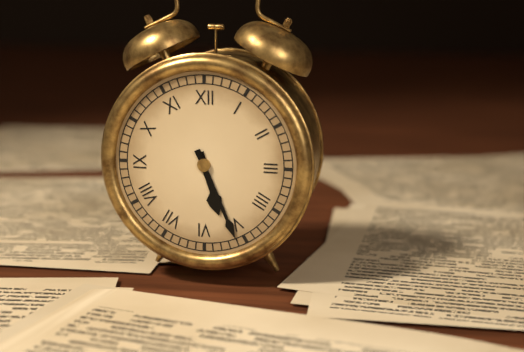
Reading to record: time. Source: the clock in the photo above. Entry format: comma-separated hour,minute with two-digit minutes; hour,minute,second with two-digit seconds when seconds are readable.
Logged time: 5,26
